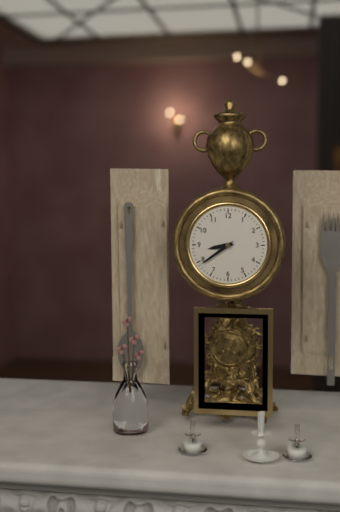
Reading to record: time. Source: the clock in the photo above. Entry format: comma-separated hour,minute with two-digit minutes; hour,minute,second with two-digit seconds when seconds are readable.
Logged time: 8,39
